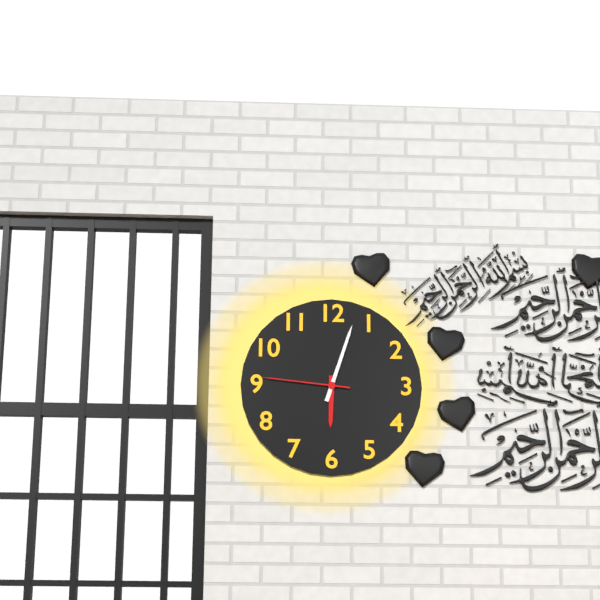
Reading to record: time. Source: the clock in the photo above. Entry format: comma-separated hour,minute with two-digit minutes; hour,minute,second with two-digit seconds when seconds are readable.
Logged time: 6,03,46
